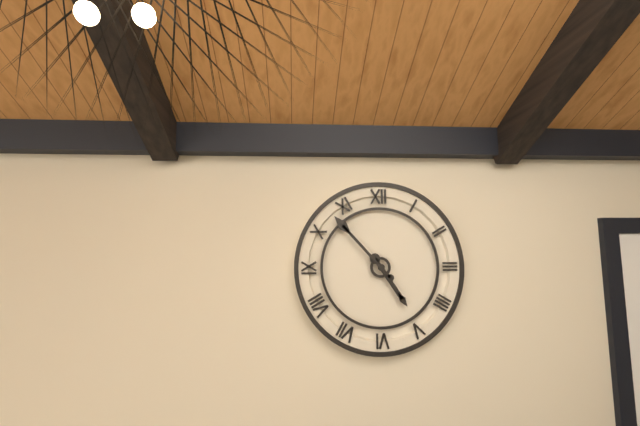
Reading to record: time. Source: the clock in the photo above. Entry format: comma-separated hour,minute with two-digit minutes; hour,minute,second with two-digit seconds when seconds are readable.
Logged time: 4,53
